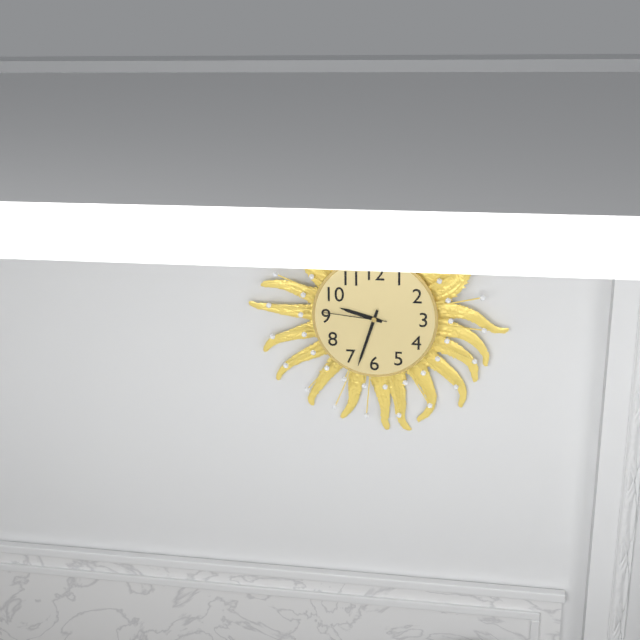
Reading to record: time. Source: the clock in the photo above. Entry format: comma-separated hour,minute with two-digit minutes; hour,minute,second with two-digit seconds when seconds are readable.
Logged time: 9,33,46
